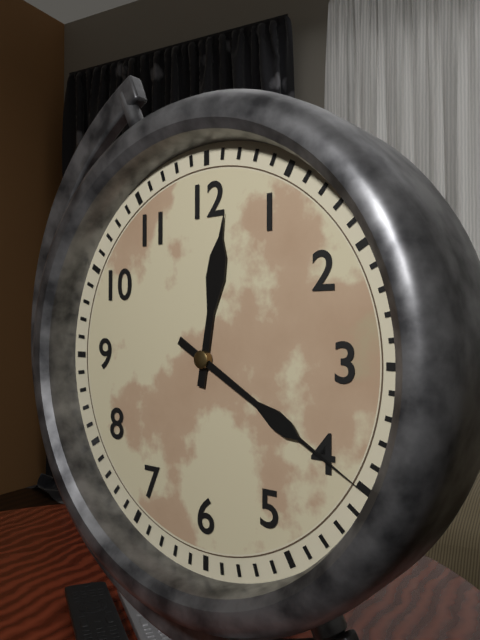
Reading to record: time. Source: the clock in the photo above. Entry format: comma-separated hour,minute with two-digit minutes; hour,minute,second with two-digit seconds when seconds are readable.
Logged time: 12,20
